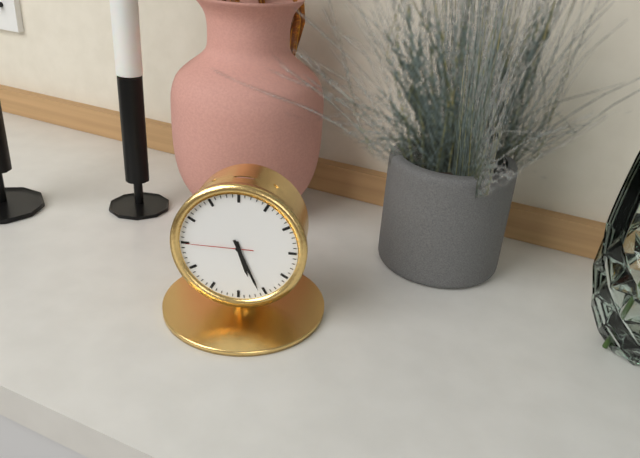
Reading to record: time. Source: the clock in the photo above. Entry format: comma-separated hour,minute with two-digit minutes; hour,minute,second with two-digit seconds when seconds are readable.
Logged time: 5,26,45
